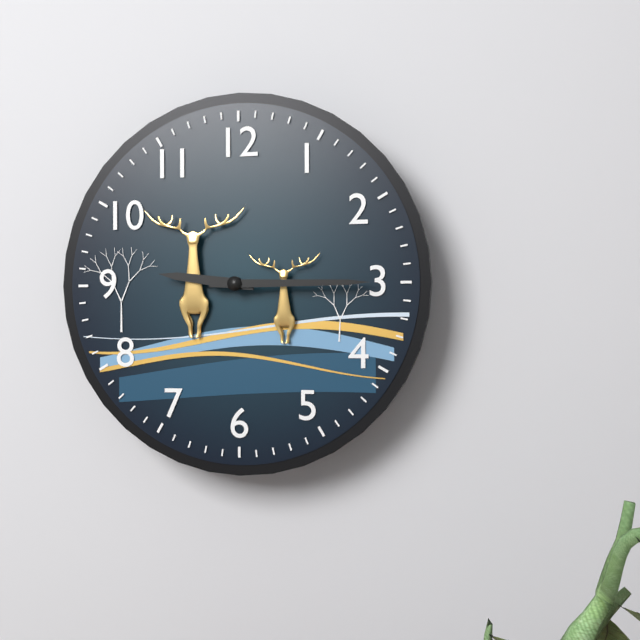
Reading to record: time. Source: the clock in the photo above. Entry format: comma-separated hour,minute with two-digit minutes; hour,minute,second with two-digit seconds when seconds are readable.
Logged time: 9,15
